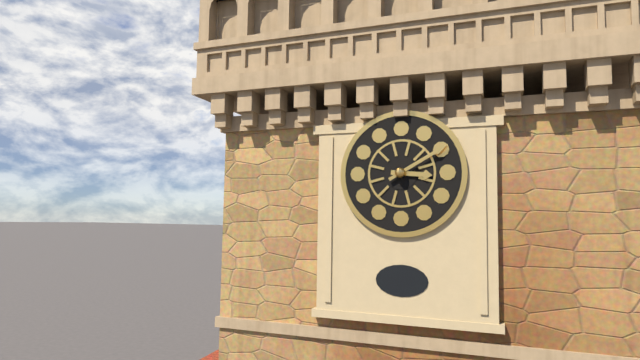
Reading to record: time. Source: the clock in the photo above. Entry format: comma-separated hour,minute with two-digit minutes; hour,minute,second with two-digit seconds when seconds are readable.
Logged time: 3,10
